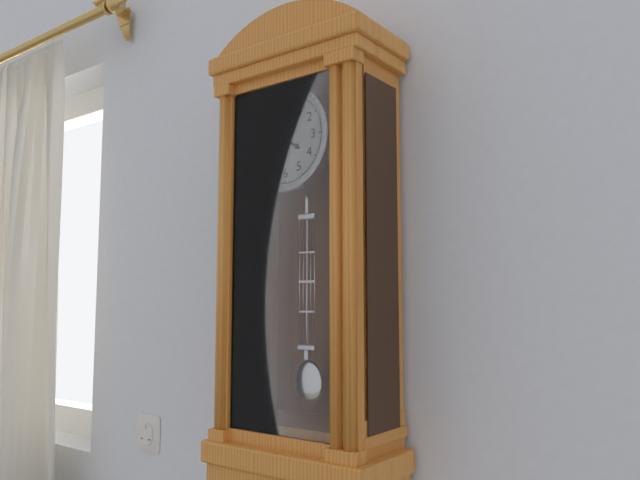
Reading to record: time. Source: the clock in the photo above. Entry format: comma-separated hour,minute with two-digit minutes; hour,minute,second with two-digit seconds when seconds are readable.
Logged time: 4,06
